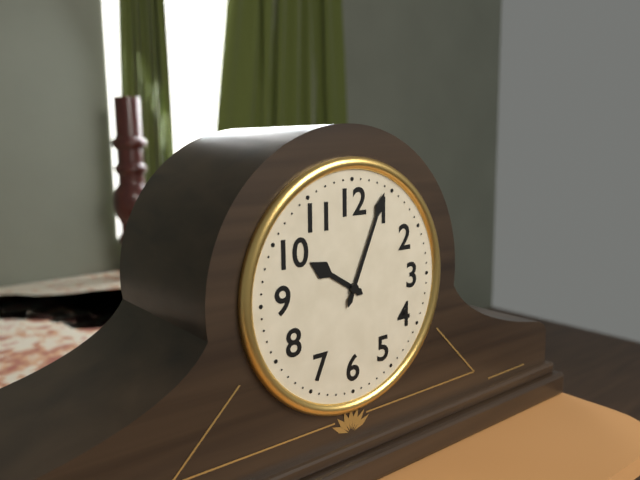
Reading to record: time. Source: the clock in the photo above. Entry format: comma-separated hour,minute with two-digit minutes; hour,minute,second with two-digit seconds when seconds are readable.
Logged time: 10,04
